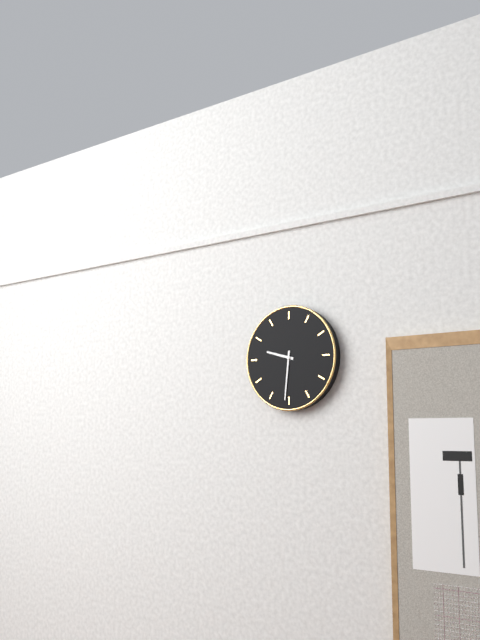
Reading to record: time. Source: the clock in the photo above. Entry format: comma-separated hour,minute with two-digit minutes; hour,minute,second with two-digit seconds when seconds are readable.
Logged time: 9,31
